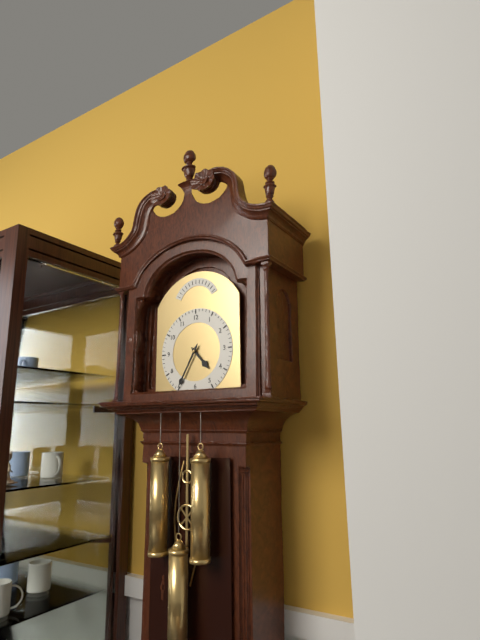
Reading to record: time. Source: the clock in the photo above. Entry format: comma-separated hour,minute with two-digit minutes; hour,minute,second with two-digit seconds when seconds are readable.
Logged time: 4,35
